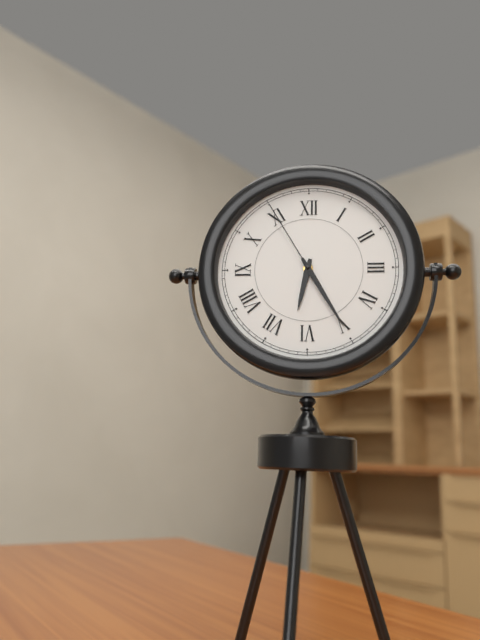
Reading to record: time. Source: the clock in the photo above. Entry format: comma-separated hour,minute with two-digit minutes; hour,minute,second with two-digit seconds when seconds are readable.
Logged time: 6,25,55
